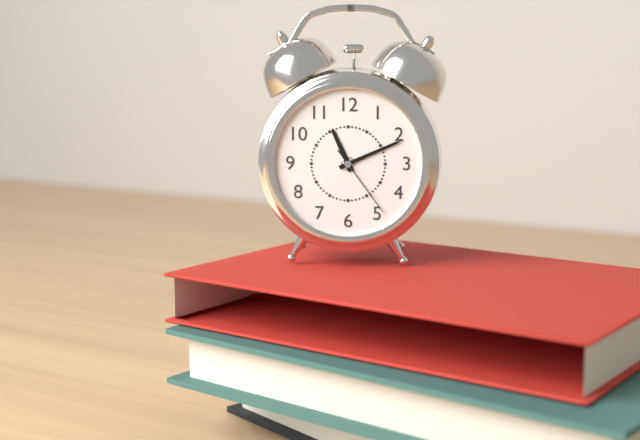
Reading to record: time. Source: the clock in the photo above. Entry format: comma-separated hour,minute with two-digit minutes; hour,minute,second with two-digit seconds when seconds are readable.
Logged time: 11,11,24
